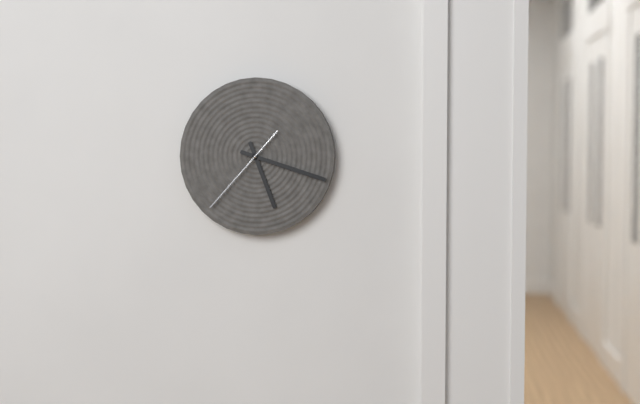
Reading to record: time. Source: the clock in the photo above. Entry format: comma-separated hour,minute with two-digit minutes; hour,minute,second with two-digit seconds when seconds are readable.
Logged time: 5,18,37
